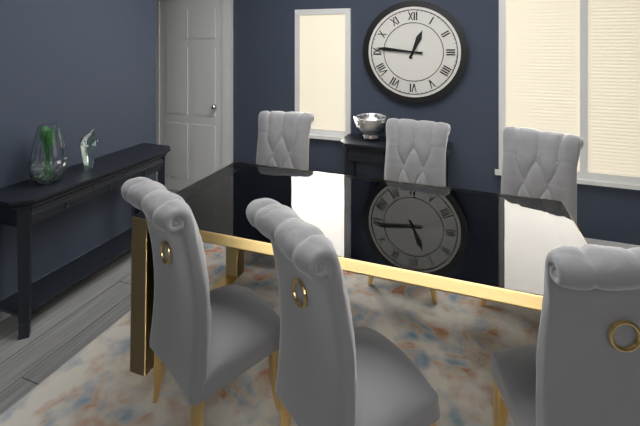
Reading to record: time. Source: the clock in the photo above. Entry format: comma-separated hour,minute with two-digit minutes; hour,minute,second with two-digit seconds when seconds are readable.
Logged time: 12,46
